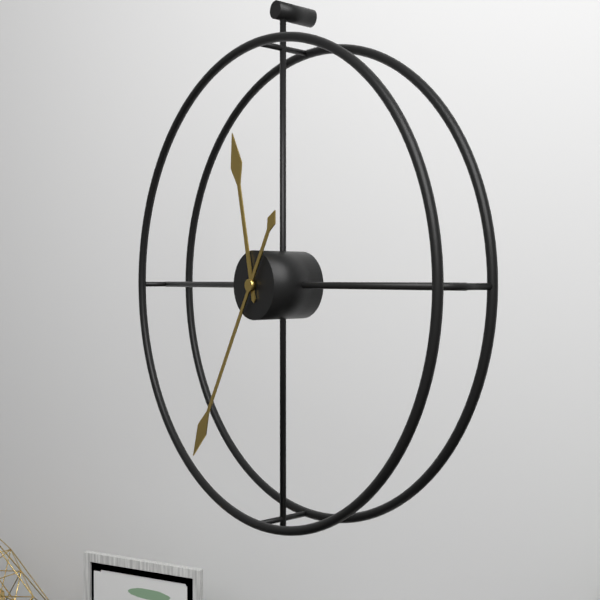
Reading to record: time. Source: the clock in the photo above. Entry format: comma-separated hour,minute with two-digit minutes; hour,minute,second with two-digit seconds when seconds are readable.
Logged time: 11,35
